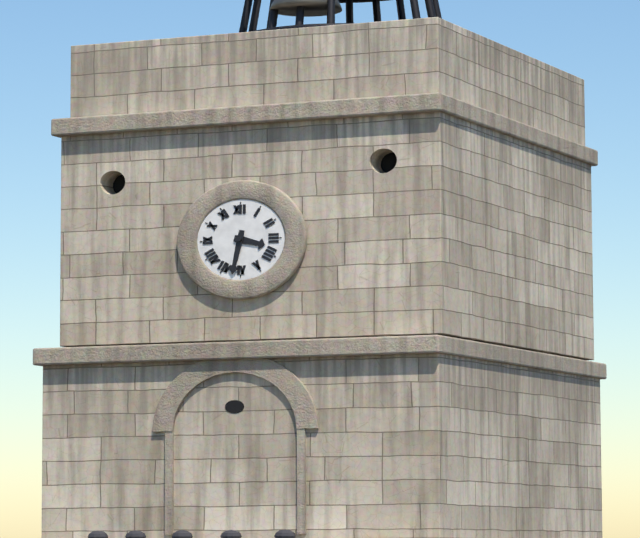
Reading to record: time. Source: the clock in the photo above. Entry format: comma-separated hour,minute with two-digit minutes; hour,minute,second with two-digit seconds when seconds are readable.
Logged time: 3,32
